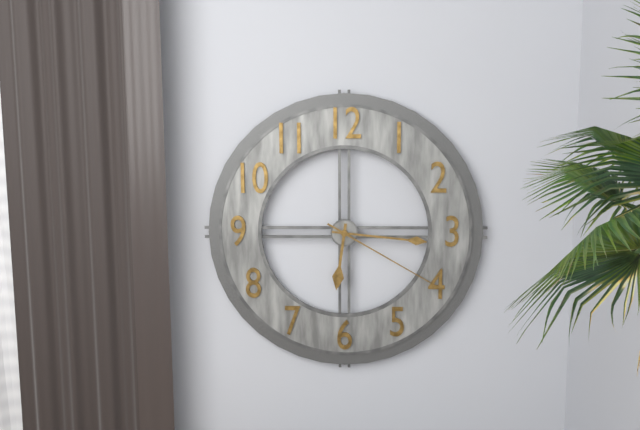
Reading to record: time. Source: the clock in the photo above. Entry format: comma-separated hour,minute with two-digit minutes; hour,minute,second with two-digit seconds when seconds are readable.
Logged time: 6,16,20
